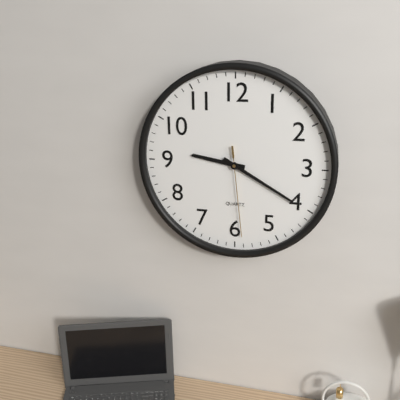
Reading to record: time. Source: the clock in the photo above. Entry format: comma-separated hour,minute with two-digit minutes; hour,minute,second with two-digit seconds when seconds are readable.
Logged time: 9,20,29
